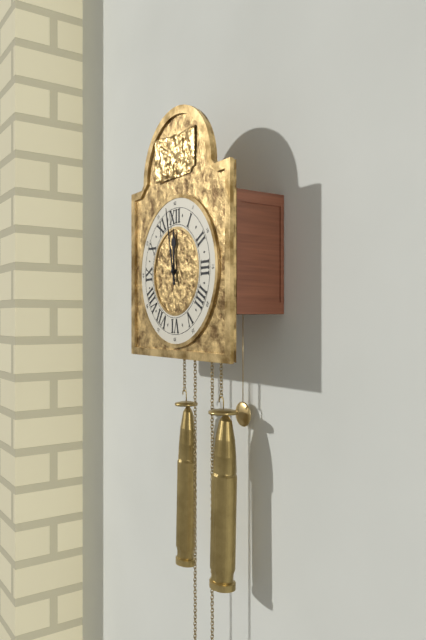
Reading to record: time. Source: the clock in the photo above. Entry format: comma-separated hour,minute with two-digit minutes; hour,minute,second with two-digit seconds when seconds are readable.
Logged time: 11,58
